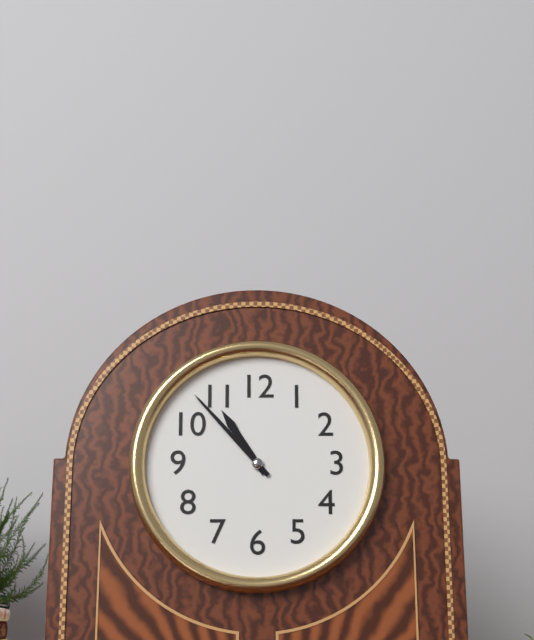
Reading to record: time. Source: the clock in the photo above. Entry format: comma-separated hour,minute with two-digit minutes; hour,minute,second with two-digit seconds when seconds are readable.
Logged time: 10,53
